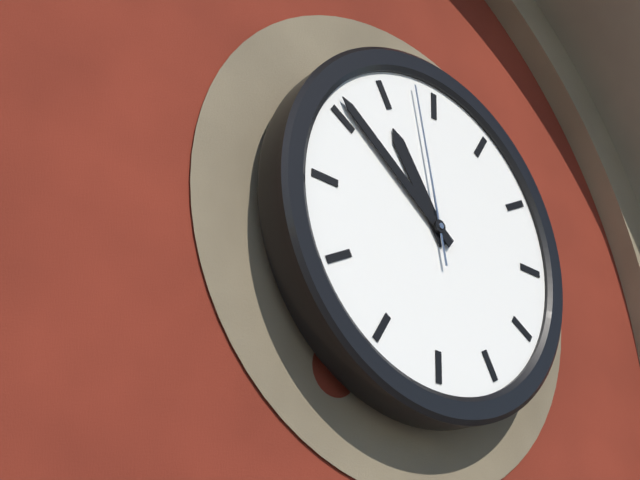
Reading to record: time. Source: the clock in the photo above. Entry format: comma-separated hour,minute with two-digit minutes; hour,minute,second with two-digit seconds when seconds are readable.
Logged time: 10,51,58
